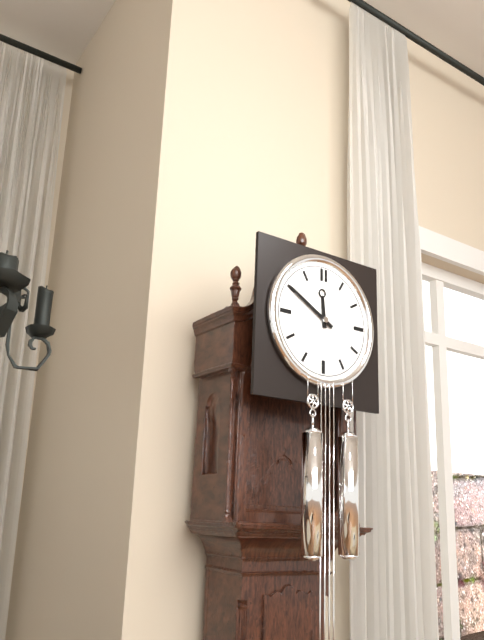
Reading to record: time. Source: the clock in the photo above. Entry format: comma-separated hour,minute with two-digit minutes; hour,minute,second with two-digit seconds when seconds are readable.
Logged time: 11,50
